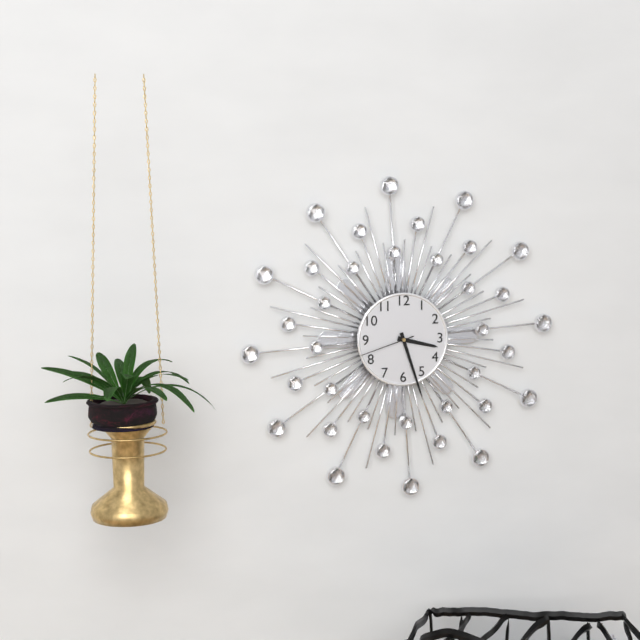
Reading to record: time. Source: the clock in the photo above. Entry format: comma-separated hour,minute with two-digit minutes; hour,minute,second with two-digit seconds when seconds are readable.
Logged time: 3,27,42
